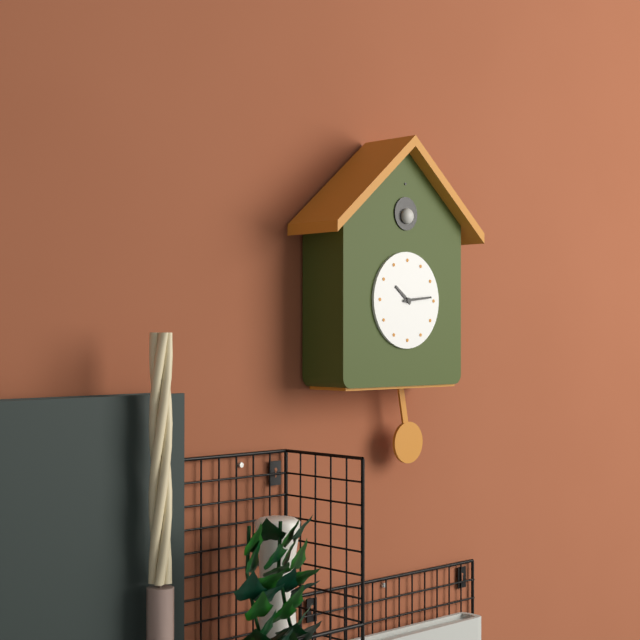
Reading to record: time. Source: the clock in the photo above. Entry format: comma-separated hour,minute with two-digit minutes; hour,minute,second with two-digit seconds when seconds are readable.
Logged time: 10,14
